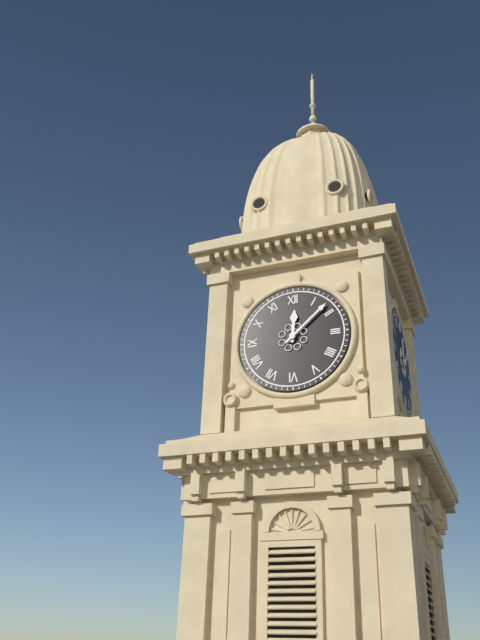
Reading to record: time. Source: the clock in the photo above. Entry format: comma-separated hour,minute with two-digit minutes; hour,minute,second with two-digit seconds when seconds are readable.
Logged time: 12,08
